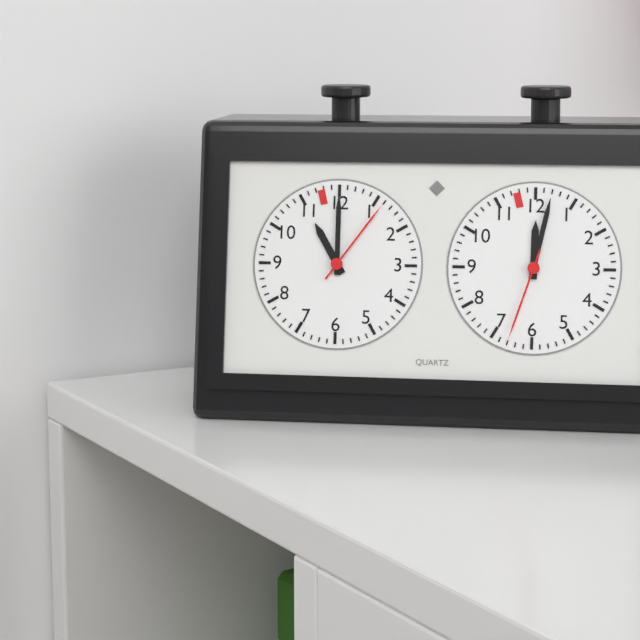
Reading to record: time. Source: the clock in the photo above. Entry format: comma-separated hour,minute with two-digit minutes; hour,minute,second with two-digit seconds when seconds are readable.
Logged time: 11,00,06
